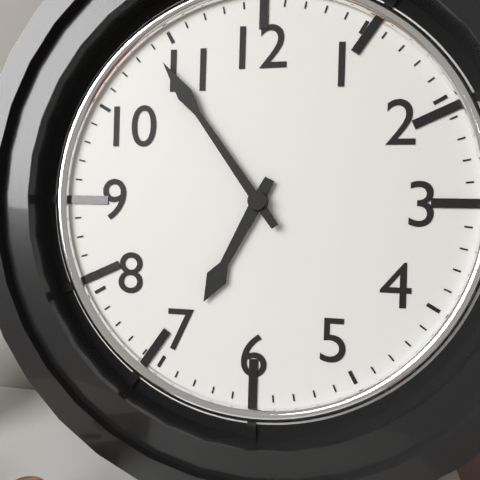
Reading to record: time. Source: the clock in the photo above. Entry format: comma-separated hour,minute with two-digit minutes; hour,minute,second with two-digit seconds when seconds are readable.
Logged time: 6,54
